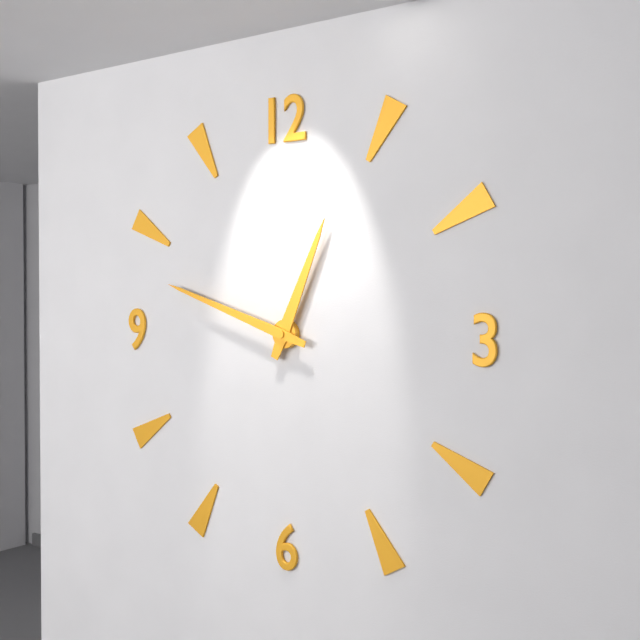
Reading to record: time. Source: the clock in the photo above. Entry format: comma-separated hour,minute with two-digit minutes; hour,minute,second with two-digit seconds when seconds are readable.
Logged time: 12,48
